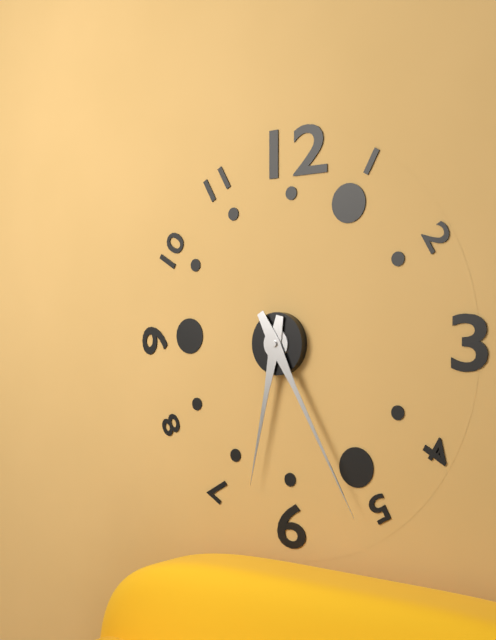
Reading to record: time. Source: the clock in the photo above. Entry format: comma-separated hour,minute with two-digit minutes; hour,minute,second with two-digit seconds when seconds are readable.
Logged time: 6,25
